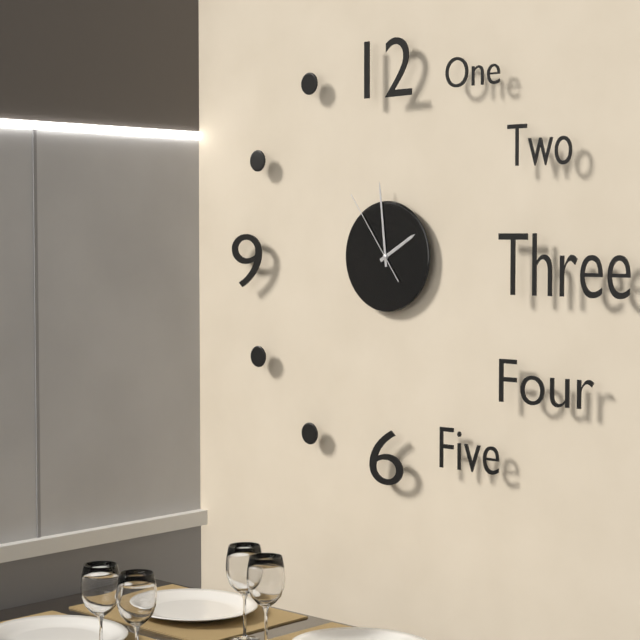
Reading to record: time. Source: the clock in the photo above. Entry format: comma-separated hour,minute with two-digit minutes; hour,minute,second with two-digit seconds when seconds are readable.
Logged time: 1,59,54
